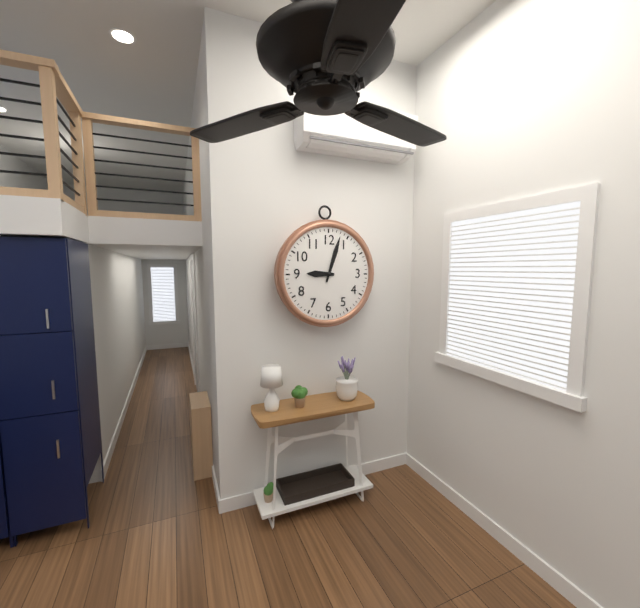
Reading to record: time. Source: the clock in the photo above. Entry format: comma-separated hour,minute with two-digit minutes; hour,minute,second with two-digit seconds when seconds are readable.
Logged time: 9,03
